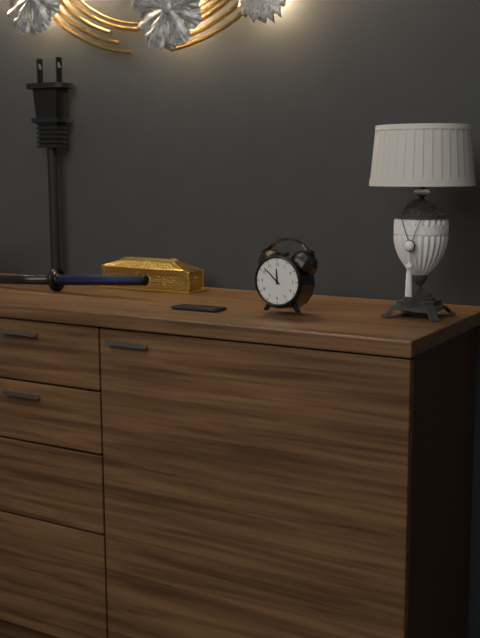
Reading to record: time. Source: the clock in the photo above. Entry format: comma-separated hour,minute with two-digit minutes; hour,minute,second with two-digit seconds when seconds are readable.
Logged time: 11,52
